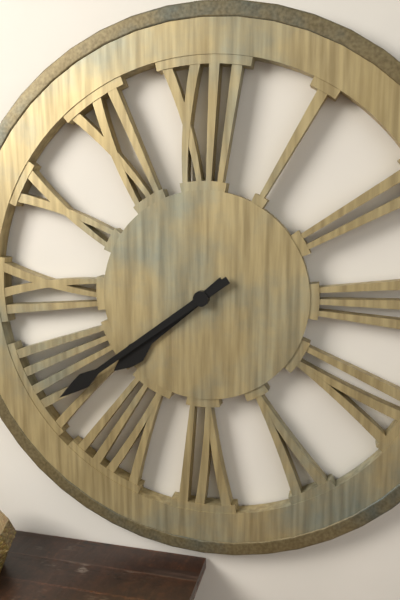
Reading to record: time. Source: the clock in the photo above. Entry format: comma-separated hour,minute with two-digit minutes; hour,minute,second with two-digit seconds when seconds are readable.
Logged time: 7,39
